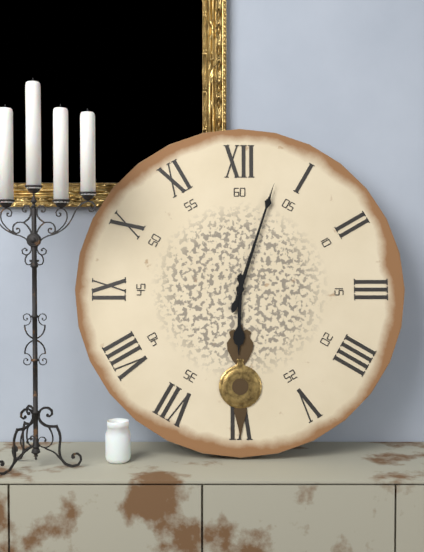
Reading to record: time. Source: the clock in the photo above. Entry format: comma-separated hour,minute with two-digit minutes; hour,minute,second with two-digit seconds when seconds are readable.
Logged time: 6,03
